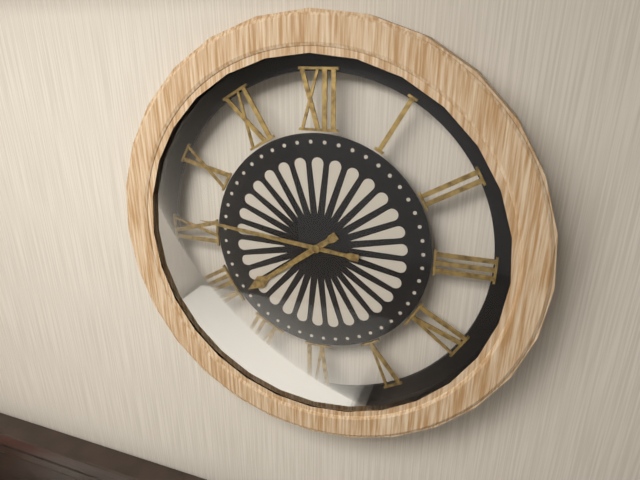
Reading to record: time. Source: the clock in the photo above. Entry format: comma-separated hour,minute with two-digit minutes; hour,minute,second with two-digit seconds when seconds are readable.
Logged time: 7,46
